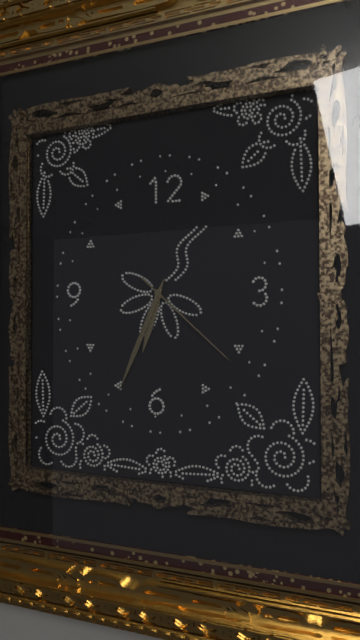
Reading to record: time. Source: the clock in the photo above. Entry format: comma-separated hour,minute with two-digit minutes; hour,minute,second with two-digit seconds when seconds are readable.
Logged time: 6,34,22
